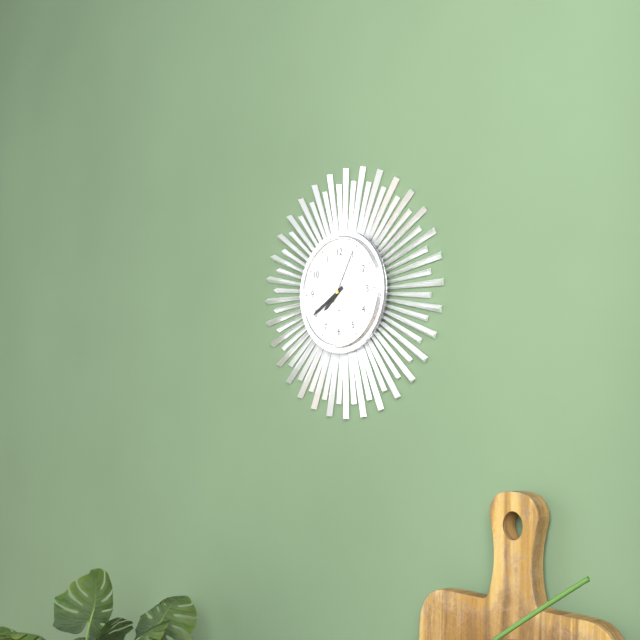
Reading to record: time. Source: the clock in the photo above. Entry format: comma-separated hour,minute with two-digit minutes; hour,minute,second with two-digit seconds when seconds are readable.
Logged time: 7,40,05
